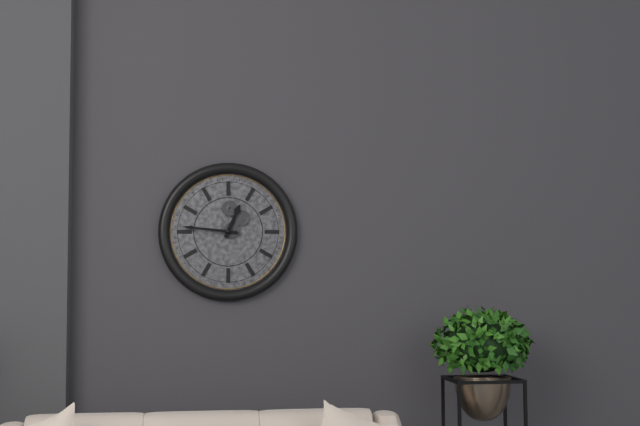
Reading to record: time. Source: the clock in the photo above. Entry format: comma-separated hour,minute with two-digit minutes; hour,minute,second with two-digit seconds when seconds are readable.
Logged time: 12,46
